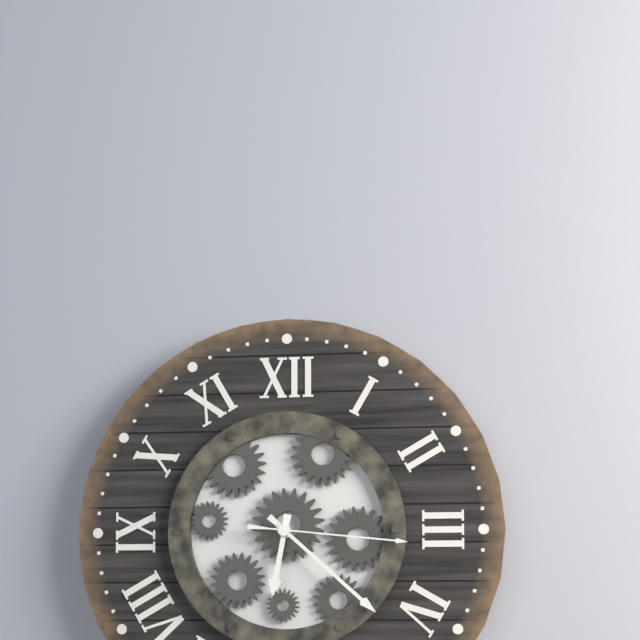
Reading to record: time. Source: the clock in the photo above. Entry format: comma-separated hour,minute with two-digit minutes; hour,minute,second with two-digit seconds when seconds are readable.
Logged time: 6,22,16
